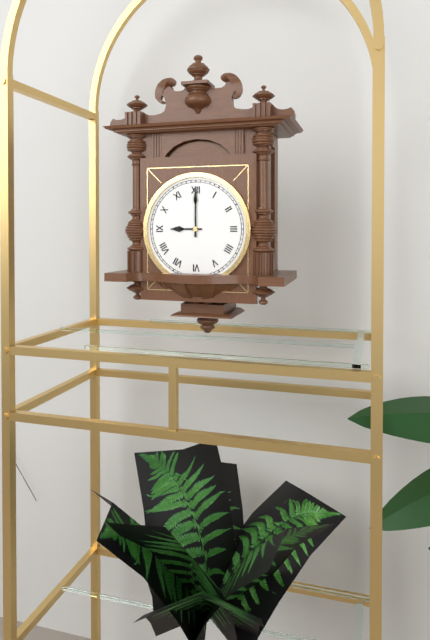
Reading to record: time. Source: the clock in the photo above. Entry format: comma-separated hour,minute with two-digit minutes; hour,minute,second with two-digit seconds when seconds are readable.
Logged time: 9,00
